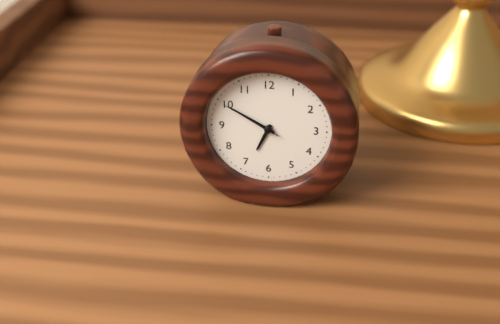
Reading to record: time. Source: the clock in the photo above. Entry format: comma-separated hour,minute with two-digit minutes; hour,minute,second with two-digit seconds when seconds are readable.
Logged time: 6,50,50
